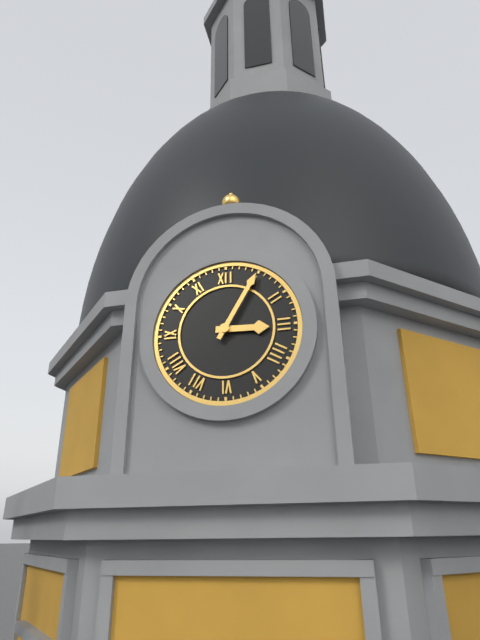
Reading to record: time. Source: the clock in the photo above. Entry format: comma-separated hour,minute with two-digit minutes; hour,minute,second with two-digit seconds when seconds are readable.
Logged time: 3,05
